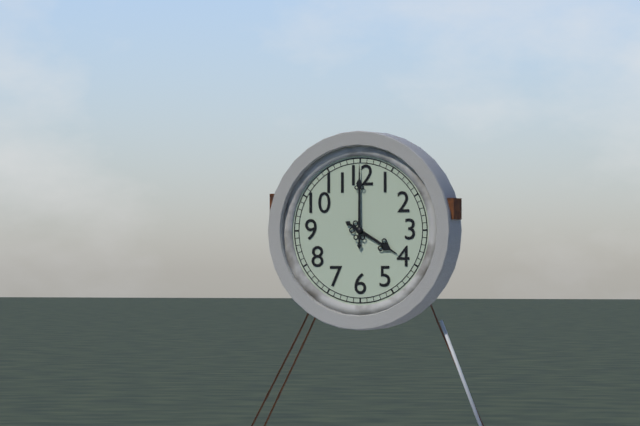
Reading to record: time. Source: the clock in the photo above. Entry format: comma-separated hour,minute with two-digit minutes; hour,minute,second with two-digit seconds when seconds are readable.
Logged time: 4,00
